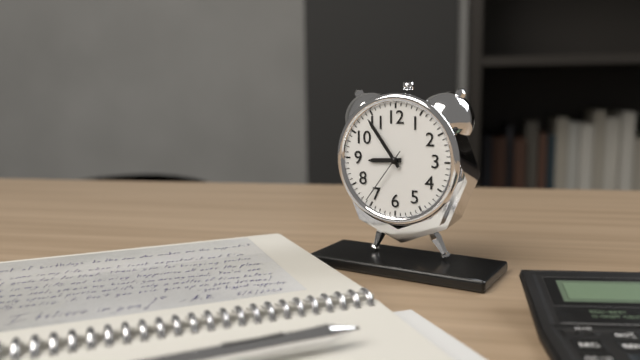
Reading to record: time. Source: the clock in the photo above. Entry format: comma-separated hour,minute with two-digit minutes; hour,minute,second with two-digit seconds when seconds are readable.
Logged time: 8,54,36
